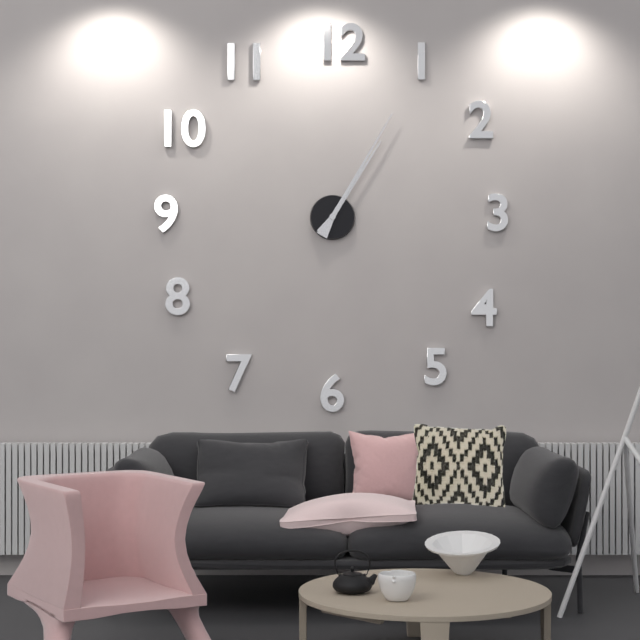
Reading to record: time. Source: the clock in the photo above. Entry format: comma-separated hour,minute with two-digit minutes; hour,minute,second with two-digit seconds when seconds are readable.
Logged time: 1,05
